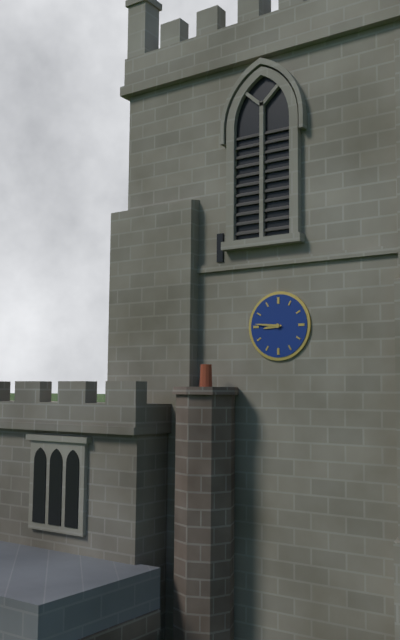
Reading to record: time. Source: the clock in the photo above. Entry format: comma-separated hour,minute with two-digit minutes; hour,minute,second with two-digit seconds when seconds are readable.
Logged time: 8,46
